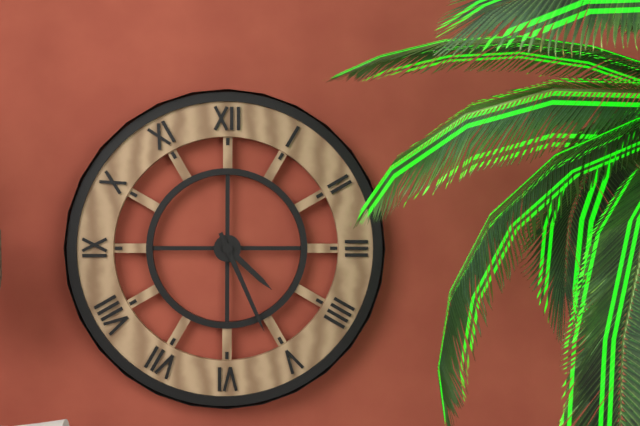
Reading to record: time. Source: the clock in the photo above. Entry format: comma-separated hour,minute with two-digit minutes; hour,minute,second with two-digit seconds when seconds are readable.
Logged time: 4,26
